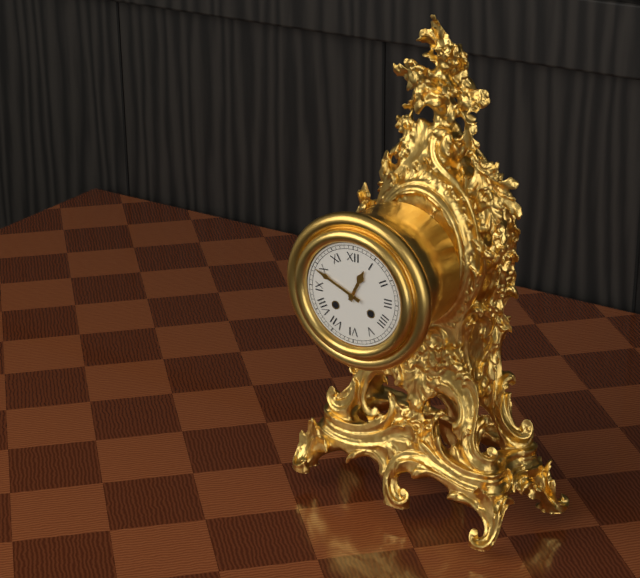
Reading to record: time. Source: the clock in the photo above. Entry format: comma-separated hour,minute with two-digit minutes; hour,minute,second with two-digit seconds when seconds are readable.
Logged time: 12,49
